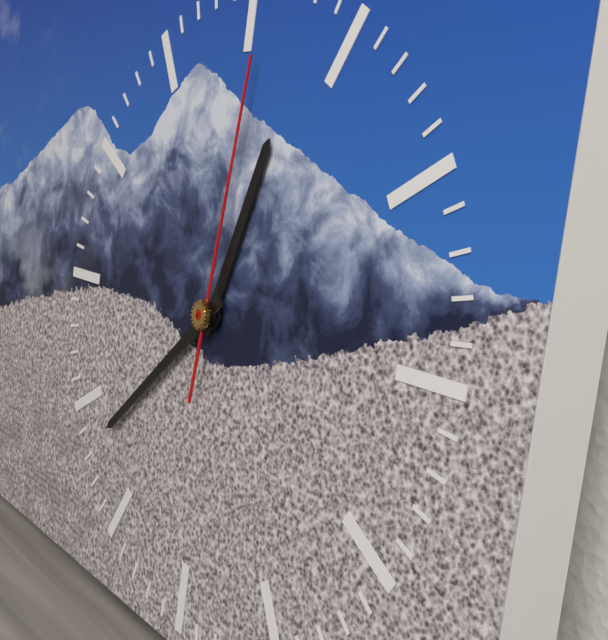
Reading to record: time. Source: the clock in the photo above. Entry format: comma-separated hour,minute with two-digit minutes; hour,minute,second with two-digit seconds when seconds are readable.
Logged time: 12,38,01
